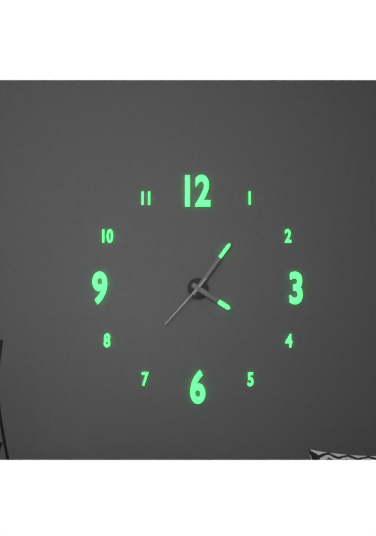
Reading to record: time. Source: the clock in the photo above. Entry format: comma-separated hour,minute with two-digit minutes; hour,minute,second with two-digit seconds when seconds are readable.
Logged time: 4,06,37
